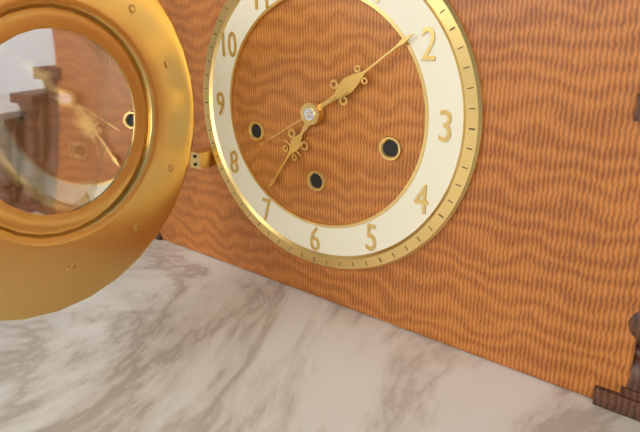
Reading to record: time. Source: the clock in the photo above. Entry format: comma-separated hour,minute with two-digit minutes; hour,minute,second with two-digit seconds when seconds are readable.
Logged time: 7,09,40
